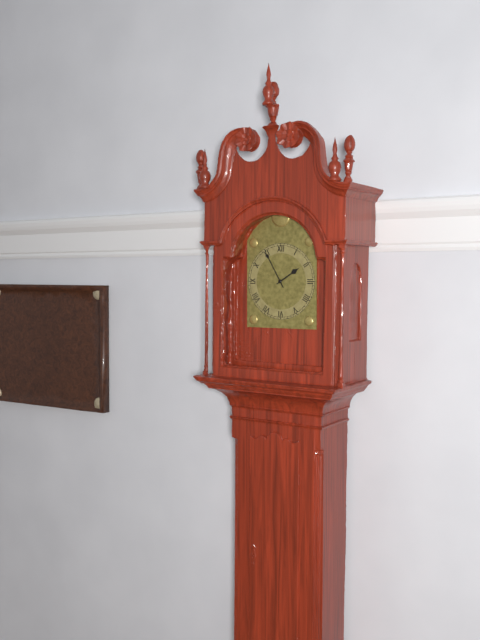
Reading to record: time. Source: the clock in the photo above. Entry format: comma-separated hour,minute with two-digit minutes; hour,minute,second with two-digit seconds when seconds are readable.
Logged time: 1,55
